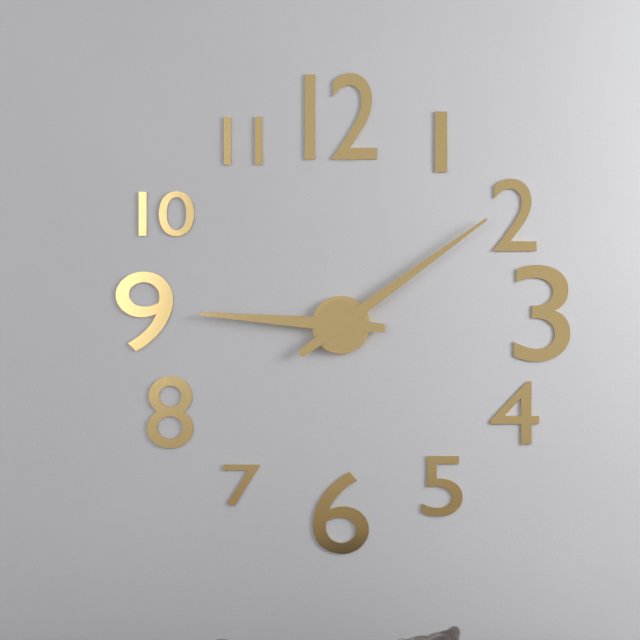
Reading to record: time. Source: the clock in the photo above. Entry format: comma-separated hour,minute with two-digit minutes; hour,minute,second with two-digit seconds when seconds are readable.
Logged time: 9,09
